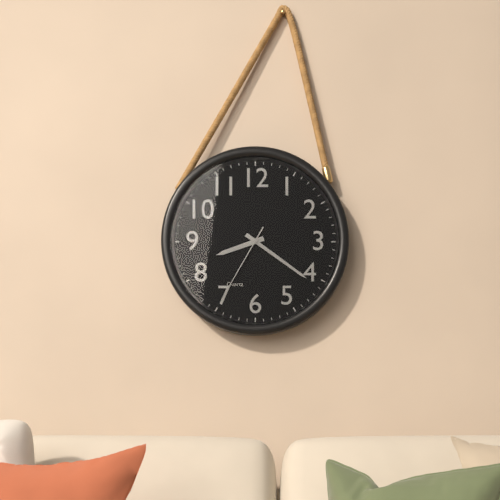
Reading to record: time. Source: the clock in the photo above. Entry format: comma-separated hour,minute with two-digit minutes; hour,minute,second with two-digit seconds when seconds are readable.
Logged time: 8,21,35
